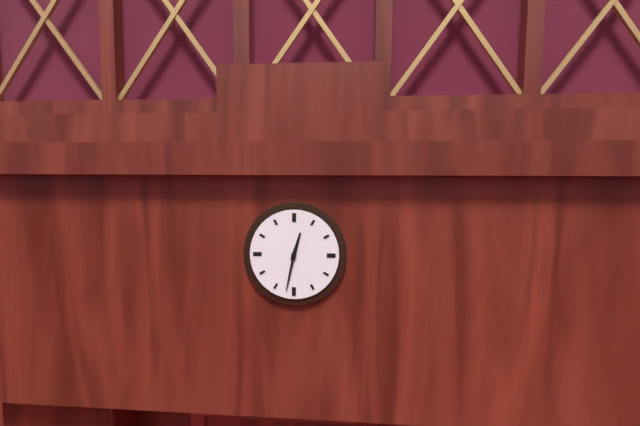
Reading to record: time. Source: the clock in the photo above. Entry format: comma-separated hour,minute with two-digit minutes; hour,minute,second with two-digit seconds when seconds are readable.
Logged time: 12,32
